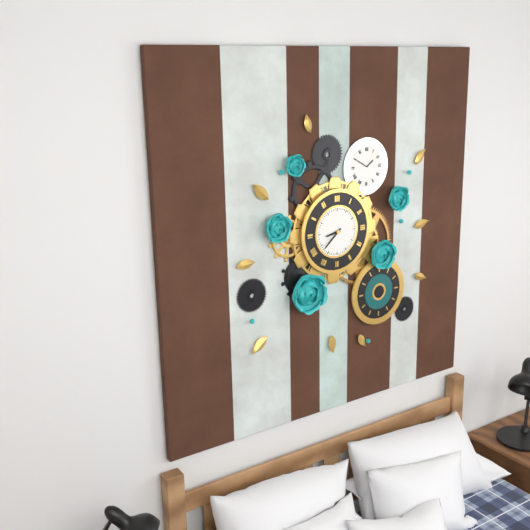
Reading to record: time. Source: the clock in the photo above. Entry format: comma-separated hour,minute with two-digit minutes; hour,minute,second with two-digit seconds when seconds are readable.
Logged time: 8,38
